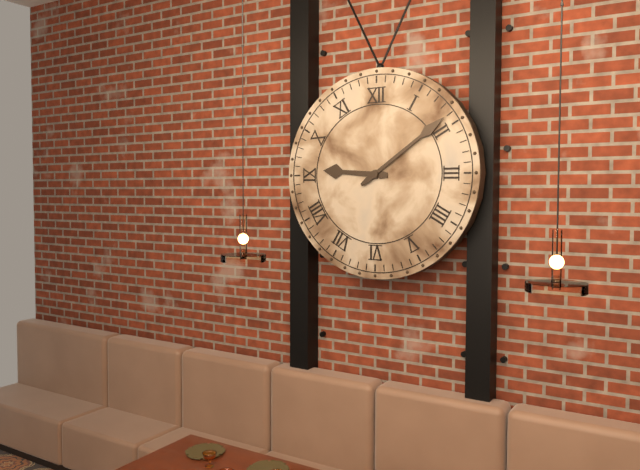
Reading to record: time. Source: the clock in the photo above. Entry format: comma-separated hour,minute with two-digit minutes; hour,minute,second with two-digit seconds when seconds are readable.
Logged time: 9,09
